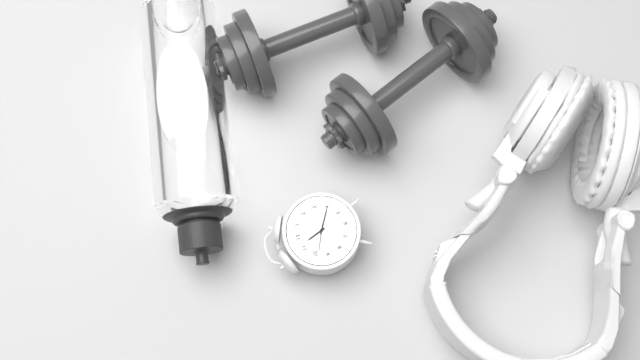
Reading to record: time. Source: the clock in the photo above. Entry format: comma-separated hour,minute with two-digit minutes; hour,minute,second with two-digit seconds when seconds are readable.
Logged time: 11,20
